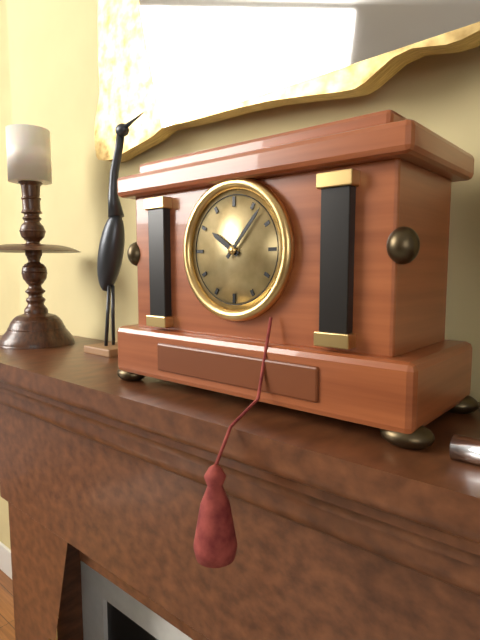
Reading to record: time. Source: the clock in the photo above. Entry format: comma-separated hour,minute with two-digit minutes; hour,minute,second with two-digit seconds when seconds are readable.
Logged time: 10,07
